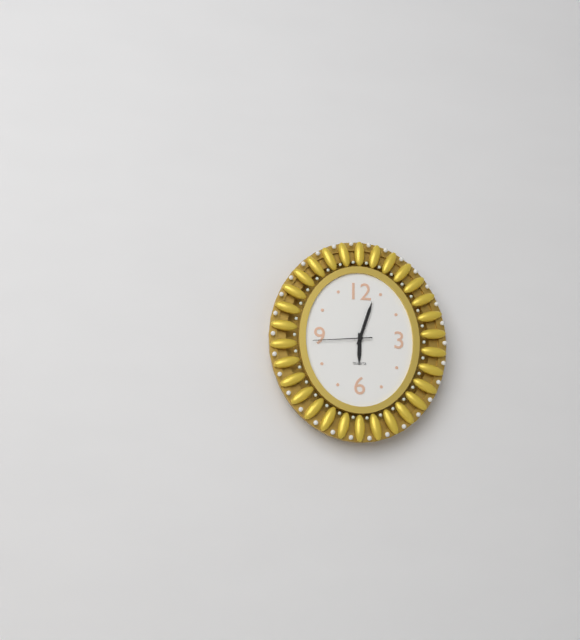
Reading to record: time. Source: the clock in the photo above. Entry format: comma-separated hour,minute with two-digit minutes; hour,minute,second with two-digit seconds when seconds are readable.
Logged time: 6,03,44
